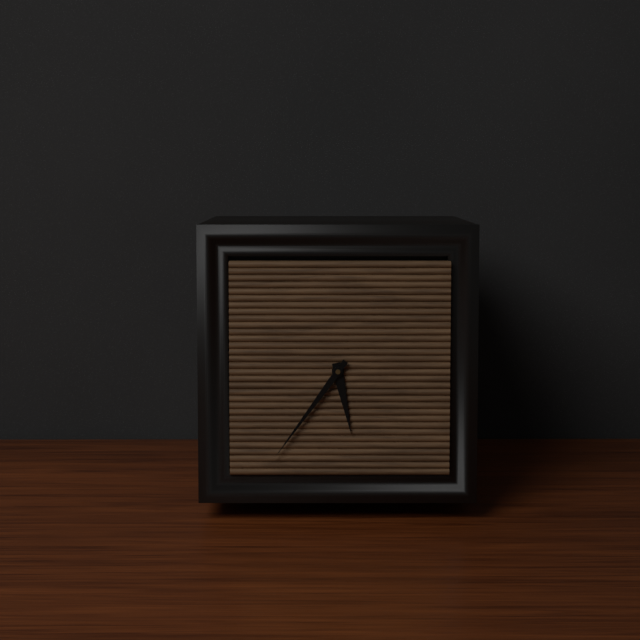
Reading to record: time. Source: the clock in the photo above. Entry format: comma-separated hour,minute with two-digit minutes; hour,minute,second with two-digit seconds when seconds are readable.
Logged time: 5,36
